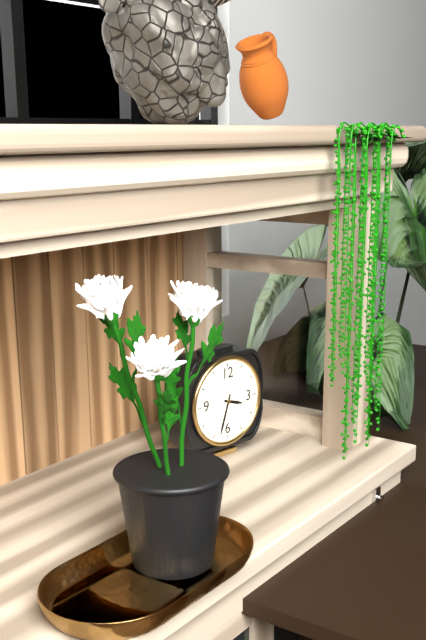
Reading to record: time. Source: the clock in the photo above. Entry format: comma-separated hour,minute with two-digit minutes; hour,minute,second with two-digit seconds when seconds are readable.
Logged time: 3,33
